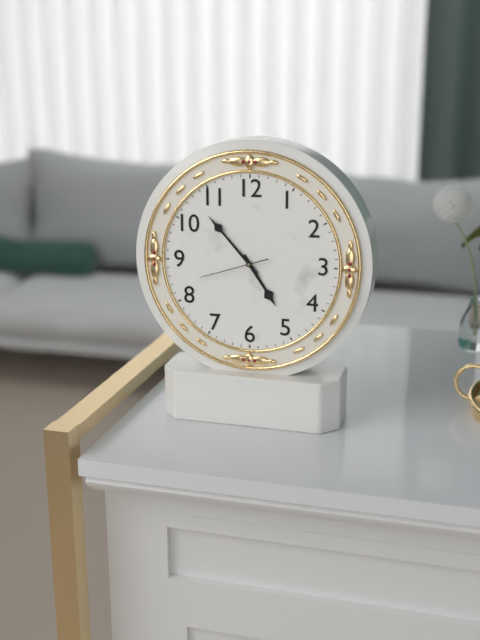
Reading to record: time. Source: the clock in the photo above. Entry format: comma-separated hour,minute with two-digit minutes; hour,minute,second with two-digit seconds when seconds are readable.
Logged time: 4,53,42
